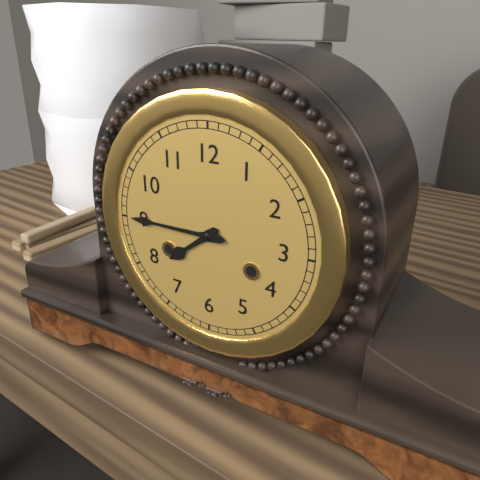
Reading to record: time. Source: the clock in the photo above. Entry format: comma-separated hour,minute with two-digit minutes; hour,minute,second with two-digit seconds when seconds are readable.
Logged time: 7,45
